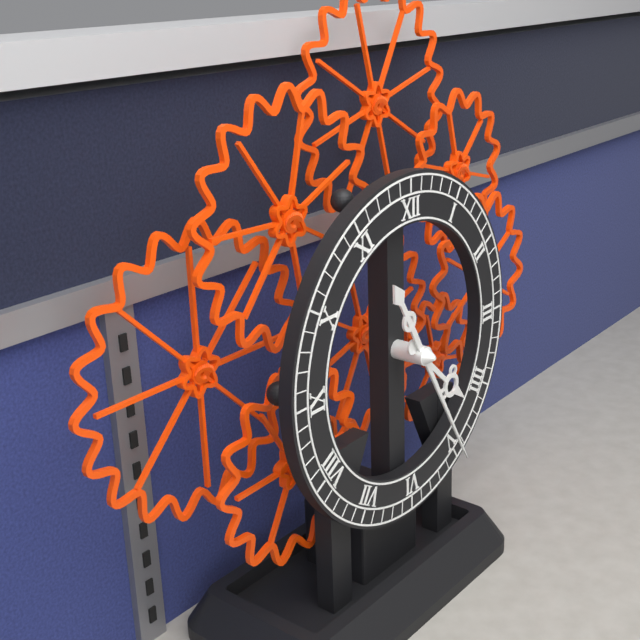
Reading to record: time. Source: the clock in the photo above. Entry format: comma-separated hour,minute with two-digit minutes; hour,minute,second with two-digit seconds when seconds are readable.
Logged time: 4,25
